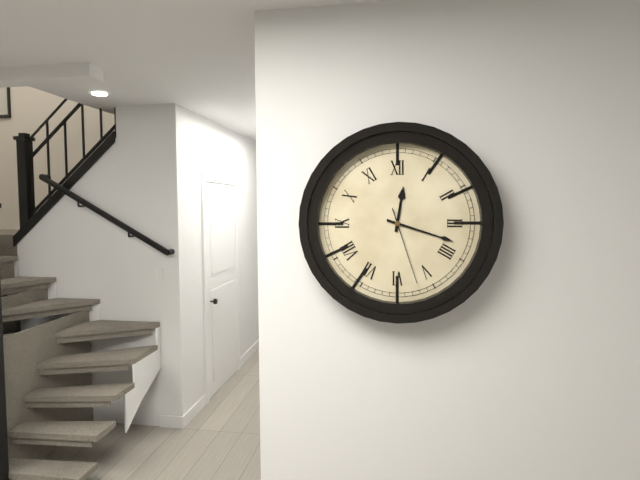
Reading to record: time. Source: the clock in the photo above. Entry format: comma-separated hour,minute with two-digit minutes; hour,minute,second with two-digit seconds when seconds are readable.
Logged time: 12,18,27
